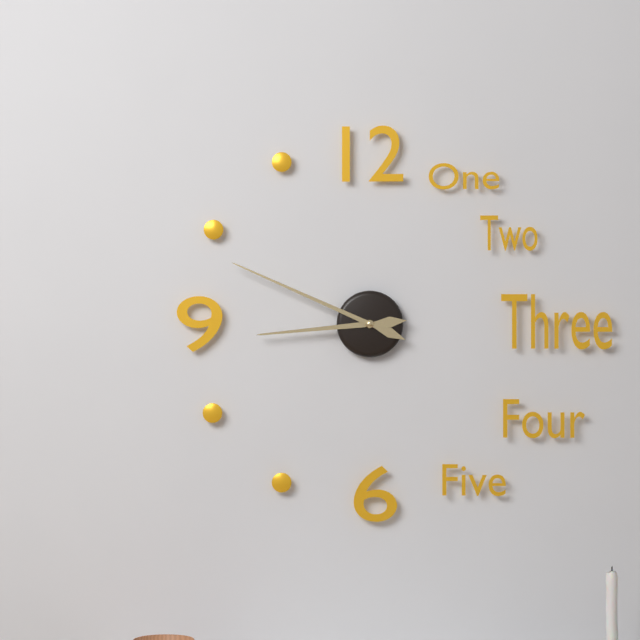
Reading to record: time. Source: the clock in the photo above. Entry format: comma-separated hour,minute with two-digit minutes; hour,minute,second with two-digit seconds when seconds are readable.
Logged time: 8,49
